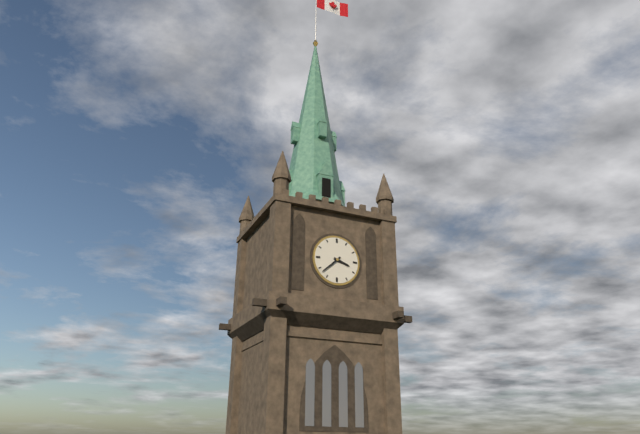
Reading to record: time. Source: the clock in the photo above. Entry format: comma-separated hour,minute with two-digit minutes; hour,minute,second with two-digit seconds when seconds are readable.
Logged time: 3,38
